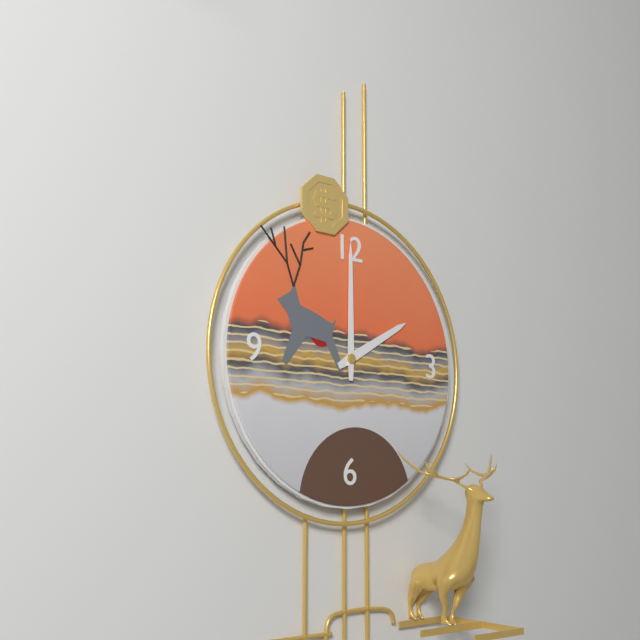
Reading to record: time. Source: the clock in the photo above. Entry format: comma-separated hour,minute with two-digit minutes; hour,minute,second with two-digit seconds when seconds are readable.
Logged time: 2,00
